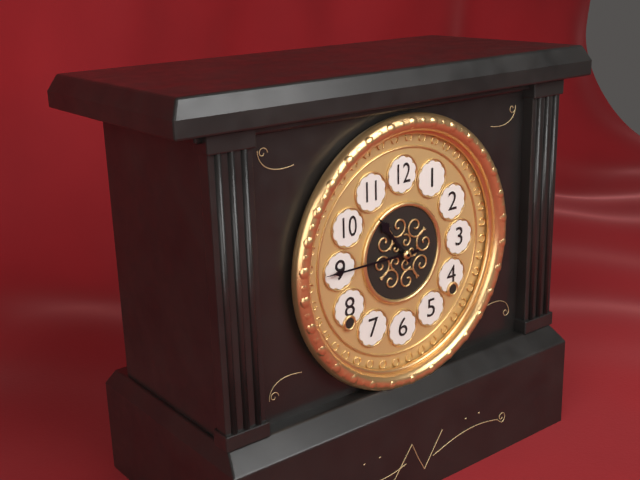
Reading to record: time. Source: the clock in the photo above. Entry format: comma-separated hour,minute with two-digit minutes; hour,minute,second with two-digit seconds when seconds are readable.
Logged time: 10,45
